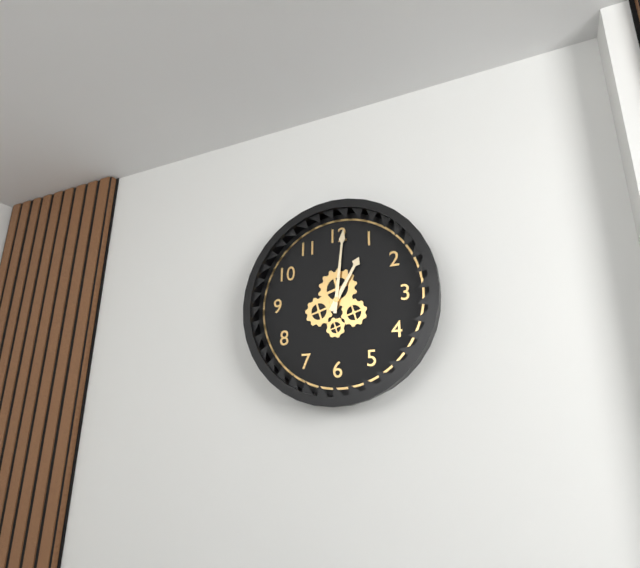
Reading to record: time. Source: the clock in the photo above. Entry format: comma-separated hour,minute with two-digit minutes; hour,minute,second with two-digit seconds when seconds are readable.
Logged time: 1,01
